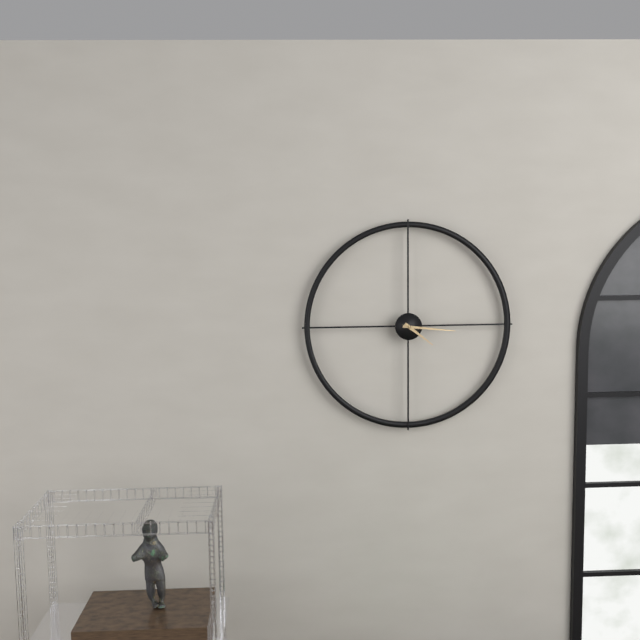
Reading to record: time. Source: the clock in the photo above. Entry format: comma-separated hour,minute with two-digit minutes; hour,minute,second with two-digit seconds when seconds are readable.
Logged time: 4,16
